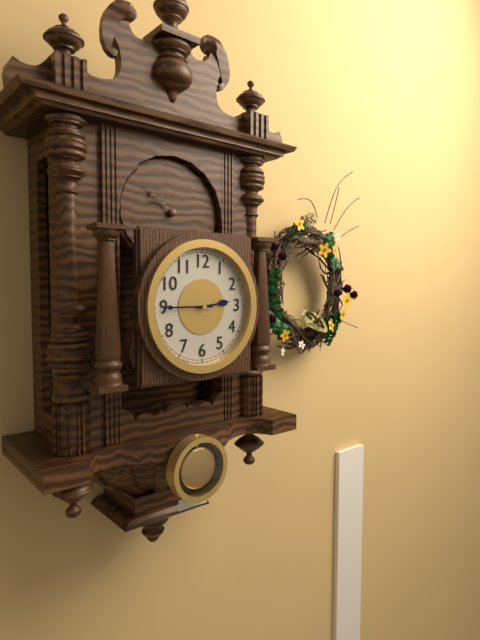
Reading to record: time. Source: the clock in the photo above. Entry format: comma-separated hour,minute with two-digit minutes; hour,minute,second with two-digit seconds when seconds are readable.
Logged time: 2,45
